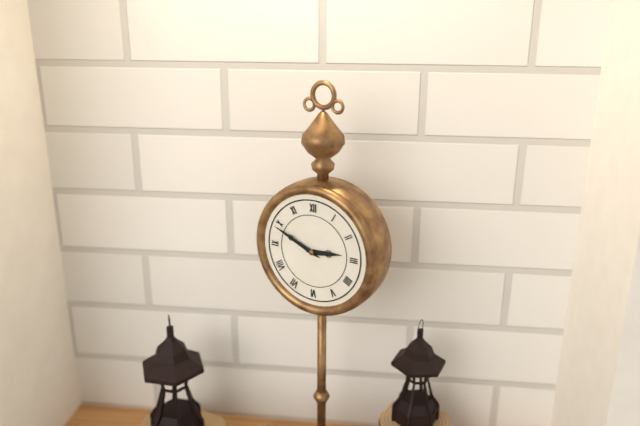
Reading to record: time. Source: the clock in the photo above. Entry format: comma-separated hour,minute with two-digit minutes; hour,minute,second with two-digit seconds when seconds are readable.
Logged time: 2,49
